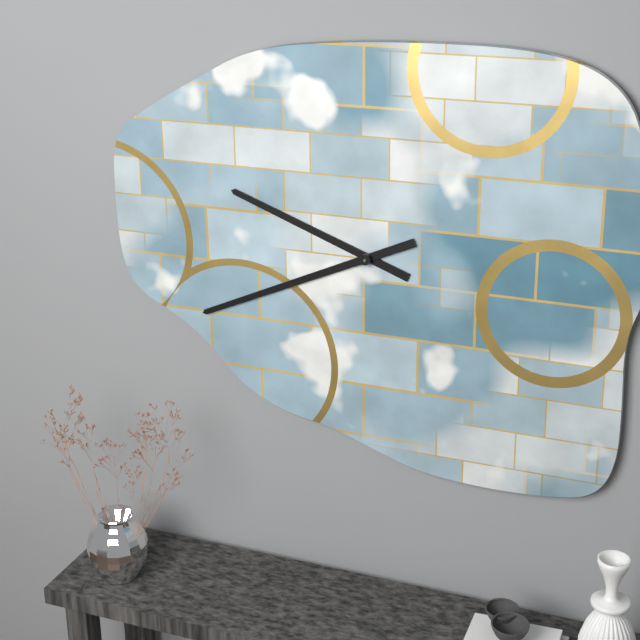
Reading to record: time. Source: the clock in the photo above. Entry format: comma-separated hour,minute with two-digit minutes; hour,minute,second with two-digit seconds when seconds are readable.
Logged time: 9,41
